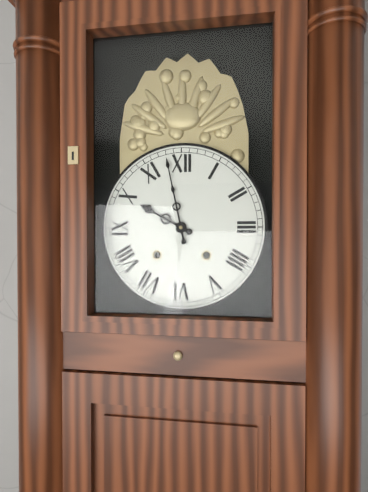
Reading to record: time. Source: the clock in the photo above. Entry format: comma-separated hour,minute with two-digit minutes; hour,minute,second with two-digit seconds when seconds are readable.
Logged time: 9,58
